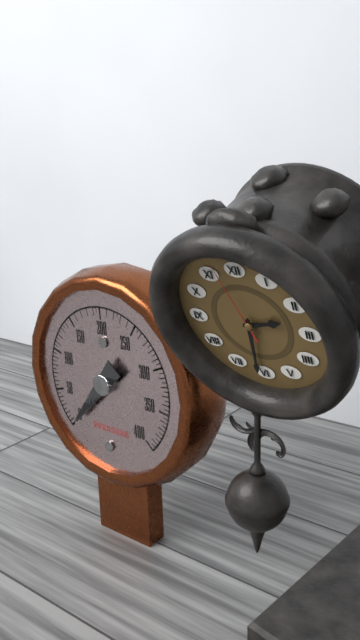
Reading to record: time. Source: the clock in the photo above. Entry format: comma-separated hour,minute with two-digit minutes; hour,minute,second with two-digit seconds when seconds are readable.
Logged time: 2,31,57
